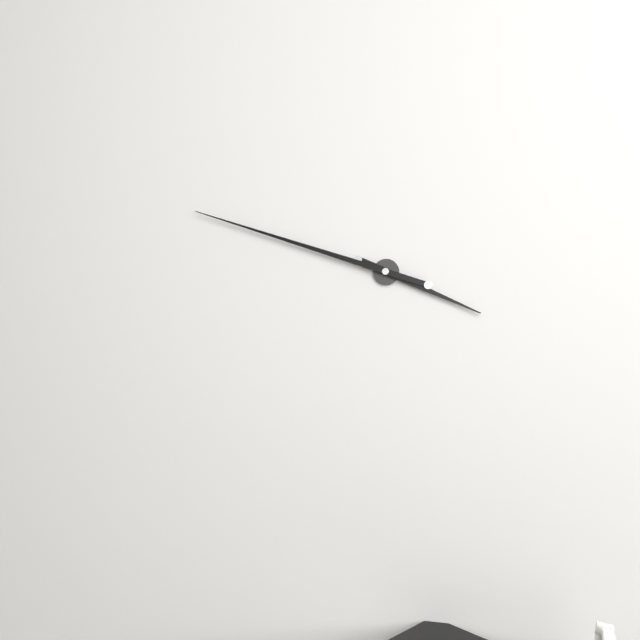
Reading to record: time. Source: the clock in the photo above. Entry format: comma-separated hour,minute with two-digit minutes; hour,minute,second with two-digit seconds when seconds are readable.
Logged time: 3,48
